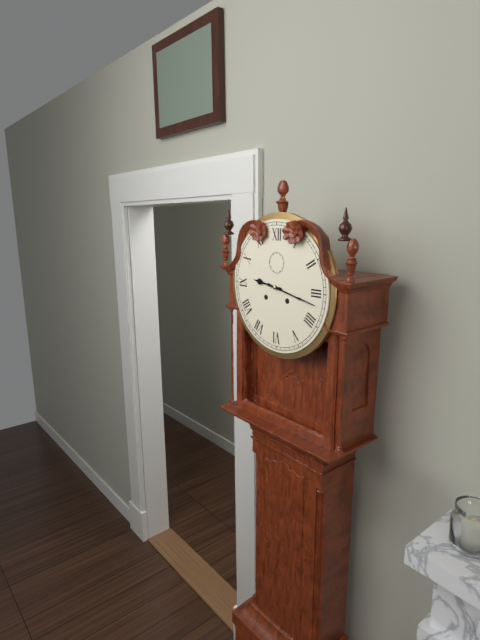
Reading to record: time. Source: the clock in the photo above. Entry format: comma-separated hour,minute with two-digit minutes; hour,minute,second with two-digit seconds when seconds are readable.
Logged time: 9,17
